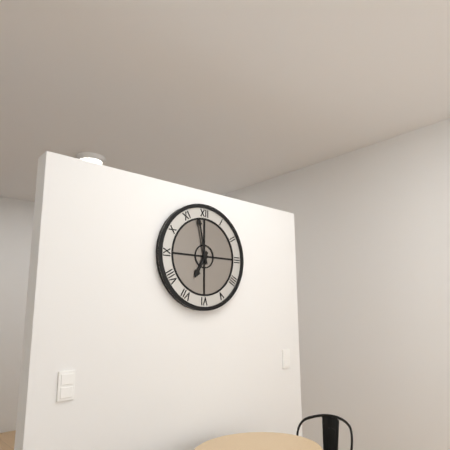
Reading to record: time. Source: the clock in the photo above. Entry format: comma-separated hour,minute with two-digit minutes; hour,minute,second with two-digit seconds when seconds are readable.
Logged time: 6,58
